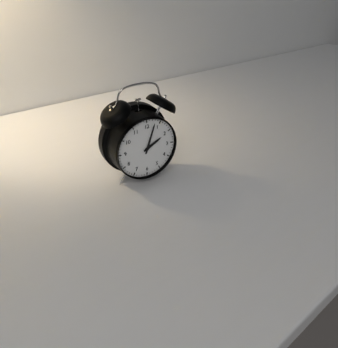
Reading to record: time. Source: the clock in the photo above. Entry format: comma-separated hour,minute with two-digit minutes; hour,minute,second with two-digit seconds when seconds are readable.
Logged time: 2,03
